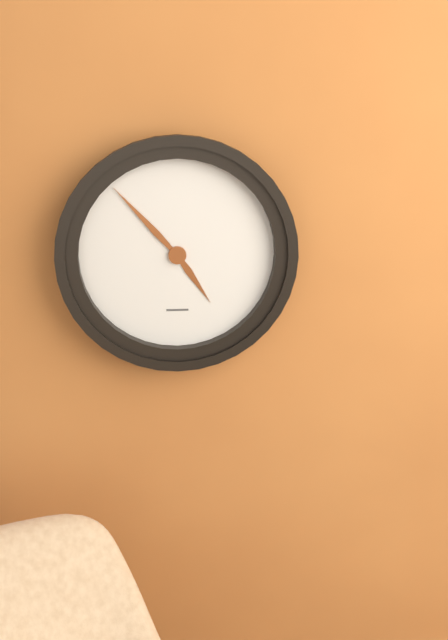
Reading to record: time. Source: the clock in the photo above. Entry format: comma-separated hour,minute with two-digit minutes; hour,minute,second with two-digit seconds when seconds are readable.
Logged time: 4,53
